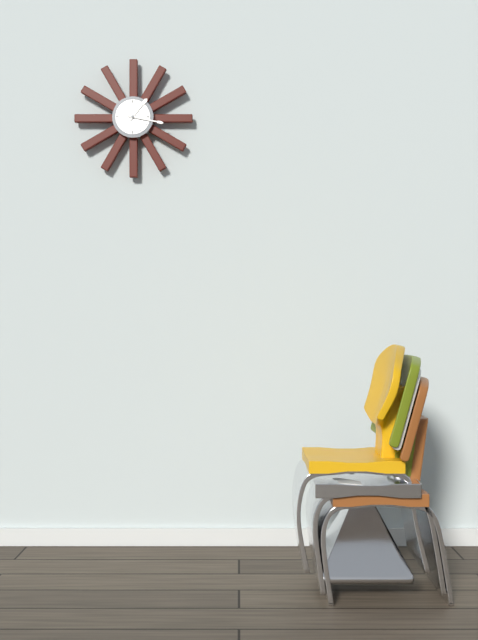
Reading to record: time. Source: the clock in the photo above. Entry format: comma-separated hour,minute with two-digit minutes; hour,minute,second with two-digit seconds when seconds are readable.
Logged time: 1,17
